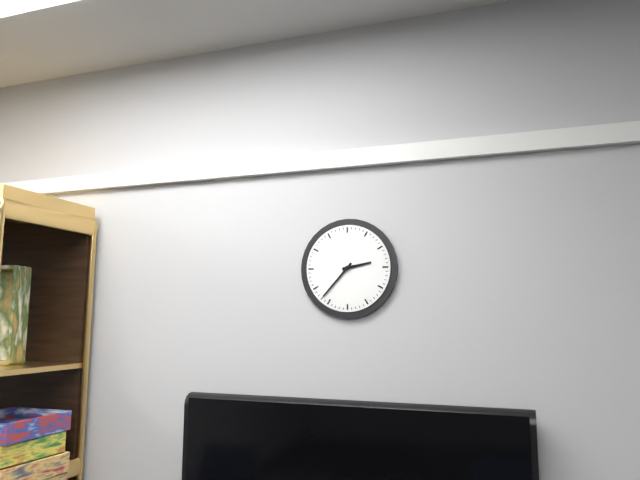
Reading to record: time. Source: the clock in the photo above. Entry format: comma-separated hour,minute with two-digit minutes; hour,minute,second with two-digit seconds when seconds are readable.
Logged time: 2,37
